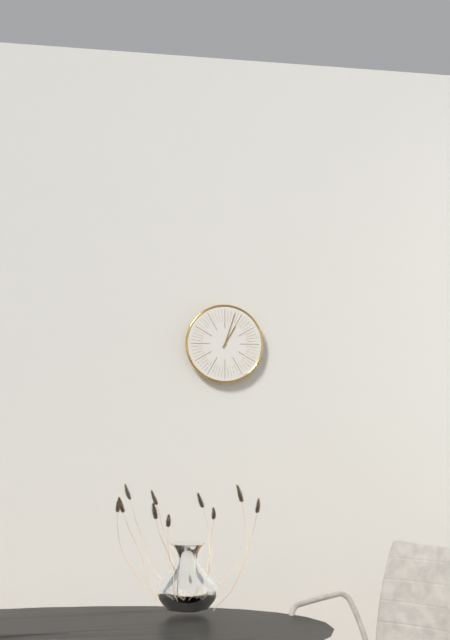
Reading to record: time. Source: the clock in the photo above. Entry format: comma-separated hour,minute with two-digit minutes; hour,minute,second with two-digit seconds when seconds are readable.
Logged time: 1,03
